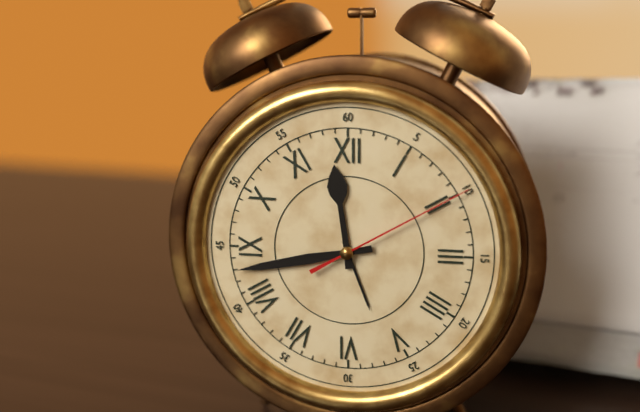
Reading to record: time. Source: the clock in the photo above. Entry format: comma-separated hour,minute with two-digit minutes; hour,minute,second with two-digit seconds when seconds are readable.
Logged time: 11,43,10
